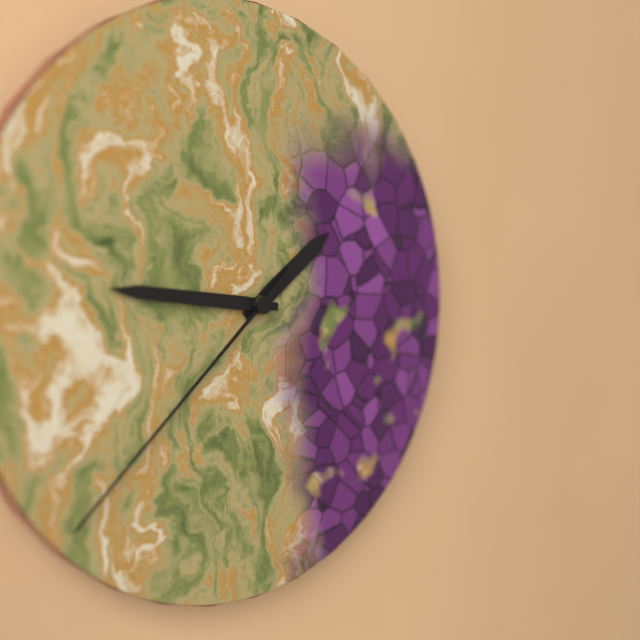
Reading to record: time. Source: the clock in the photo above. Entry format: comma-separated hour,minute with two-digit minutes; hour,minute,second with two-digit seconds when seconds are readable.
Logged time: 1,46,38
